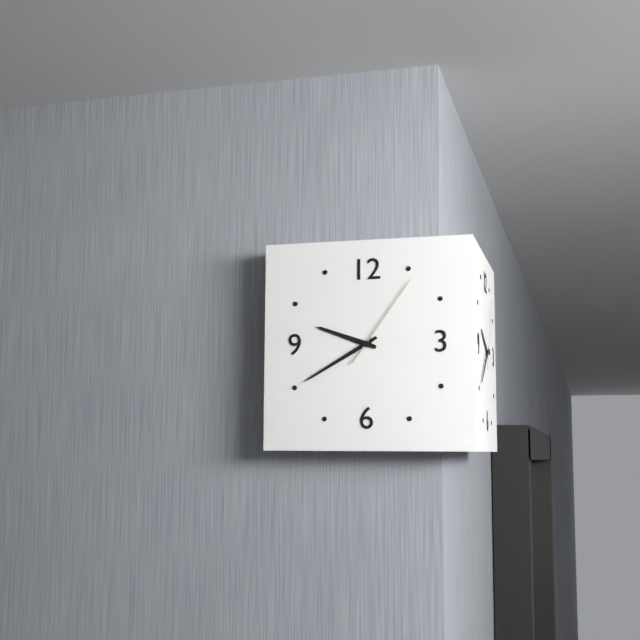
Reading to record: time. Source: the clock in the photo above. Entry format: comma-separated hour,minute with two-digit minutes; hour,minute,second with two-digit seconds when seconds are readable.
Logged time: 9,40,06
